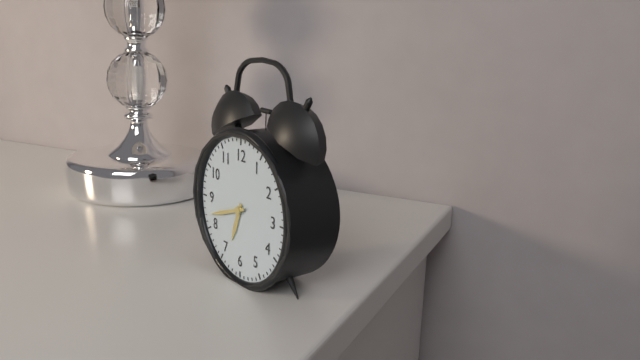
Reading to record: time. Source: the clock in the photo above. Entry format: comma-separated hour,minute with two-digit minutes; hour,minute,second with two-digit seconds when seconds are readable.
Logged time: 6,42
